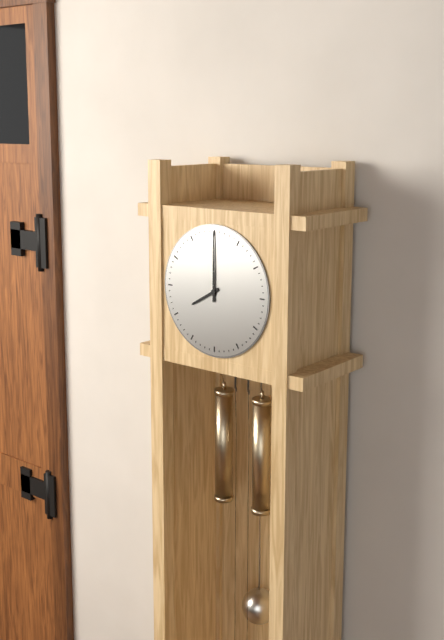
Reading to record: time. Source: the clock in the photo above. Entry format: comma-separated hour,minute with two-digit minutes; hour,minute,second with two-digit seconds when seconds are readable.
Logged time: 8,00
